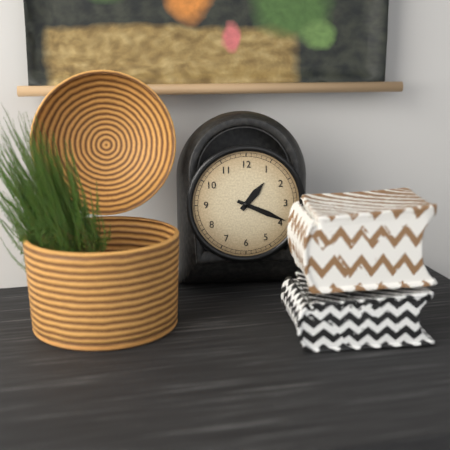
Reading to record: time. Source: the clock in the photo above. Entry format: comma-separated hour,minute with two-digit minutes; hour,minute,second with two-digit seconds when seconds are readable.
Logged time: 1,19
